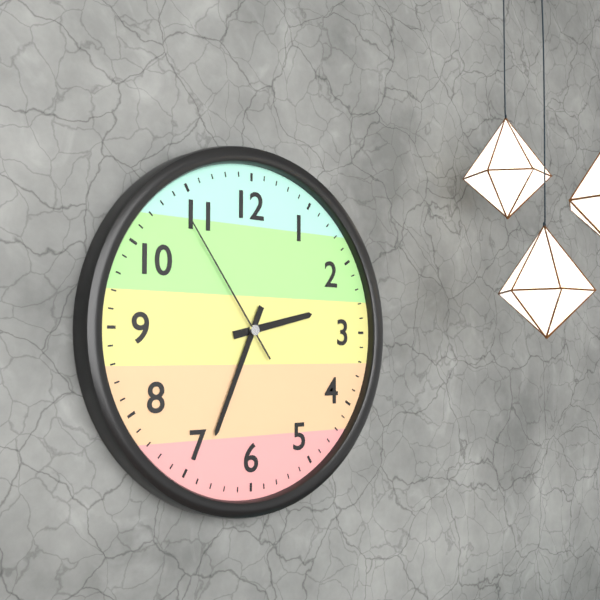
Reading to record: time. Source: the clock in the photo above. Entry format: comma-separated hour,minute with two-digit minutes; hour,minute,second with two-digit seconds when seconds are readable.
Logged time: 2,34,54
